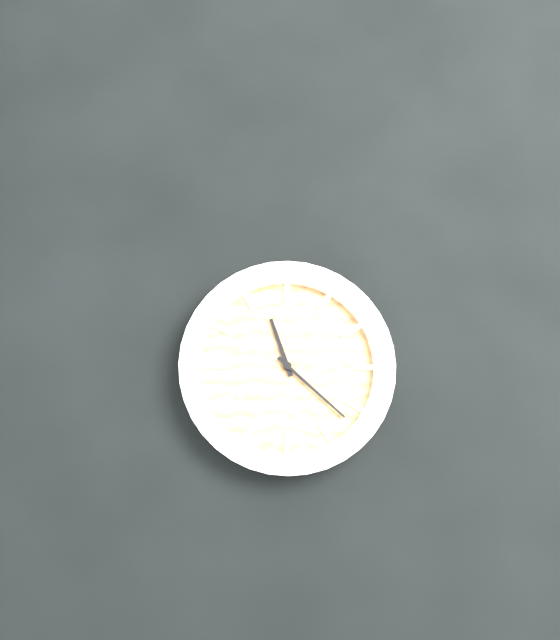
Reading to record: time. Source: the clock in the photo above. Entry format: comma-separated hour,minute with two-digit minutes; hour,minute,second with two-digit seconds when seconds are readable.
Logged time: 11,22
